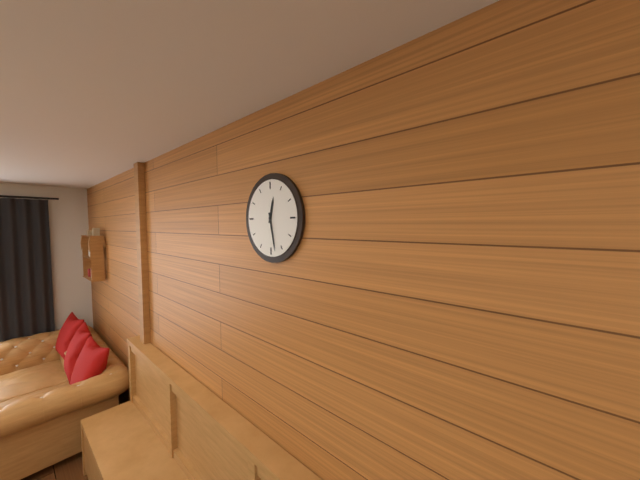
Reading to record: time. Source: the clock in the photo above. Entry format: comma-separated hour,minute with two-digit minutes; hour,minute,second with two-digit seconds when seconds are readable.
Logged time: 12,28
